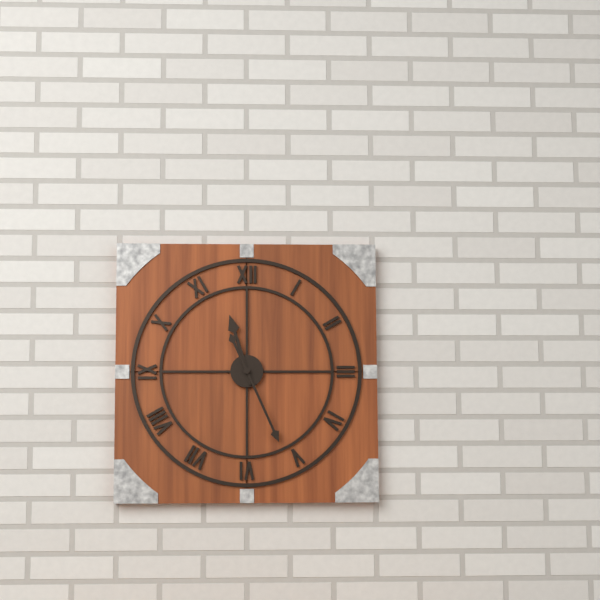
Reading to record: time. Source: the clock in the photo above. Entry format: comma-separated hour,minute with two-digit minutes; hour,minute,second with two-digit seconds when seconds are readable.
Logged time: 11,26
